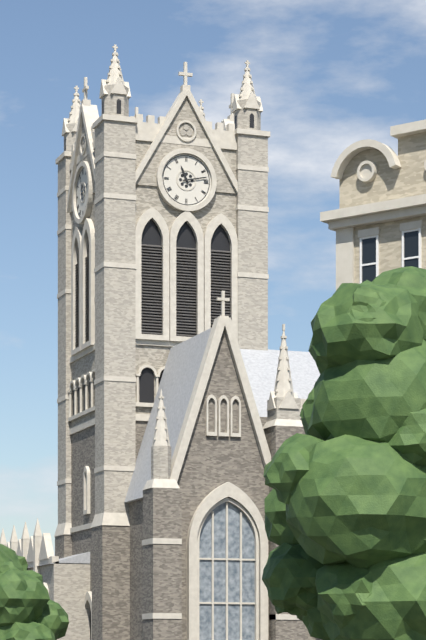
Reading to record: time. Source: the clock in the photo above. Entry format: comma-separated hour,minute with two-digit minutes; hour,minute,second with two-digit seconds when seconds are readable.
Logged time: 11,13
